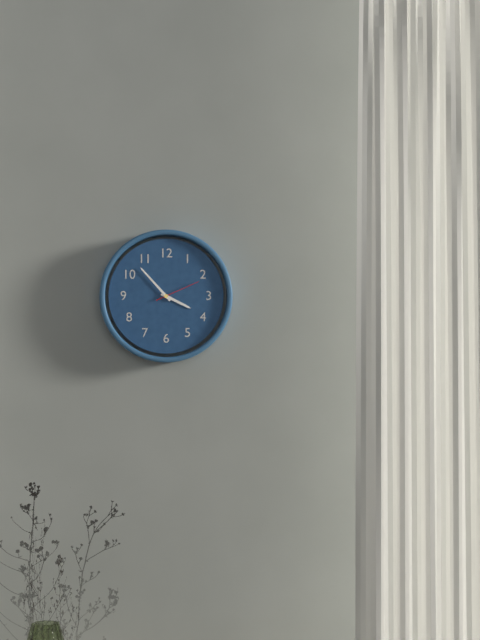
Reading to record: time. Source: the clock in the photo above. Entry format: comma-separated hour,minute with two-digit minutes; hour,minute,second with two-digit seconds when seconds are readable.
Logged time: 3,53
